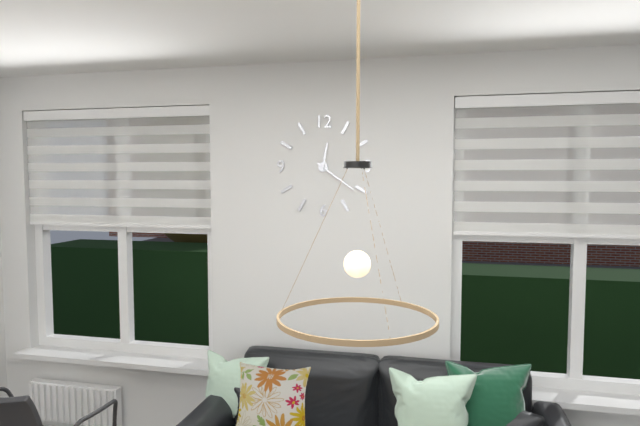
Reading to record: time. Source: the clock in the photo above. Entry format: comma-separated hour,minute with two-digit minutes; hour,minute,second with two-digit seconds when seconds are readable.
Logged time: 12,21
